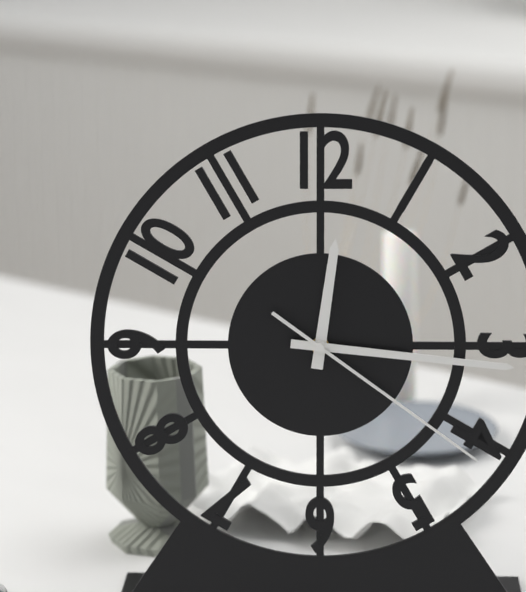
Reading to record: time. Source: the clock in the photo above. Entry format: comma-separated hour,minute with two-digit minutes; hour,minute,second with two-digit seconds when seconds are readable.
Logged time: 12,16,21
